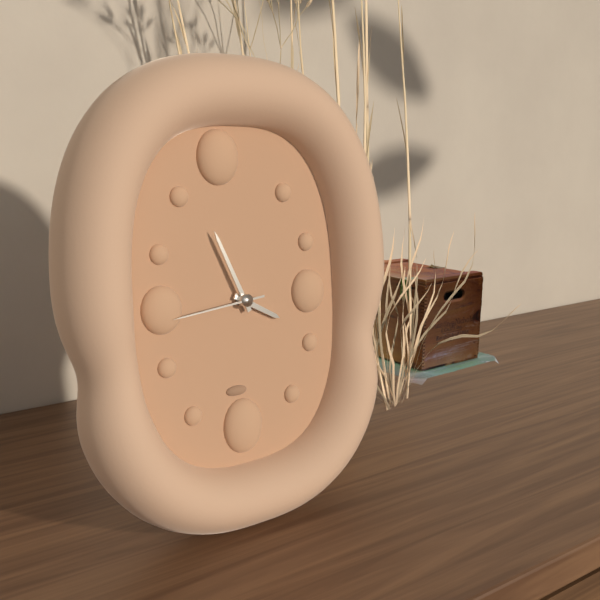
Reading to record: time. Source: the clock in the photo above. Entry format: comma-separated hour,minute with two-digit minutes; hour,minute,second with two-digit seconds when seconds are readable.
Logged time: 3,56,44
